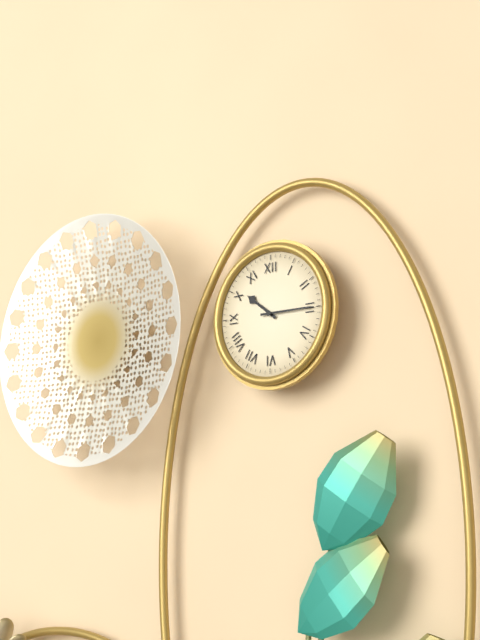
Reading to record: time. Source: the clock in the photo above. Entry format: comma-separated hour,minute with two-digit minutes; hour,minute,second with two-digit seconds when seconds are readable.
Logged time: 10,15
